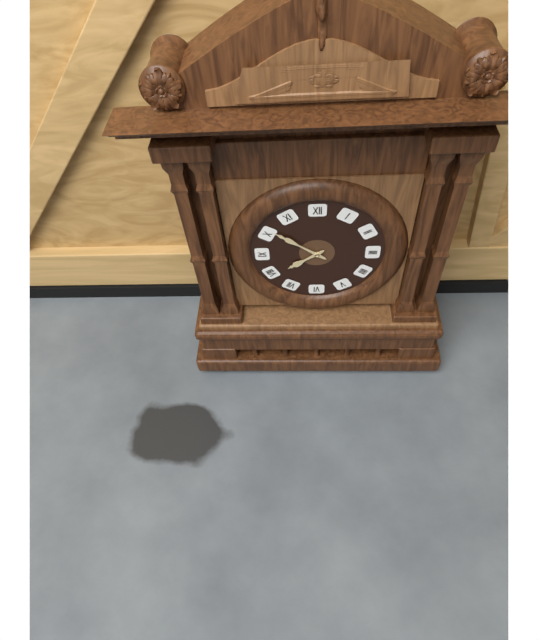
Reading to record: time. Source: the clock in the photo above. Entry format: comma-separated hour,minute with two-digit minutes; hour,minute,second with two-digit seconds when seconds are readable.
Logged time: 7,51
